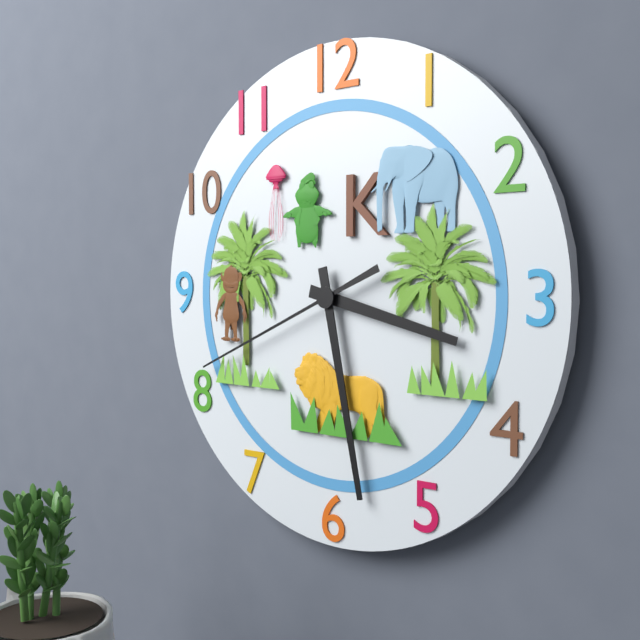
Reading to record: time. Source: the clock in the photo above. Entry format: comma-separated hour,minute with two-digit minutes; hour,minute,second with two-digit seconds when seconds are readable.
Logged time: 3,28,41
